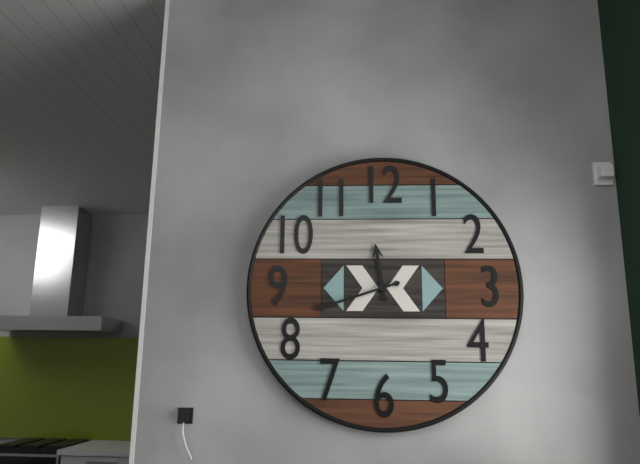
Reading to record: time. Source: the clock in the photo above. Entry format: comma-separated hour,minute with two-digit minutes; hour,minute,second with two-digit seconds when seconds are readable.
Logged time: 11,42
